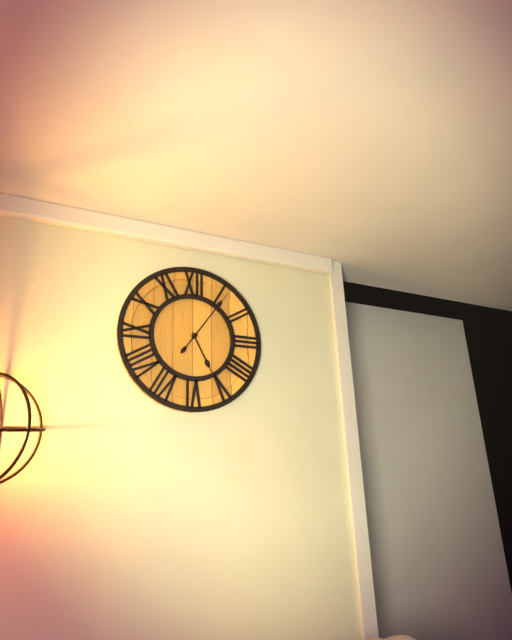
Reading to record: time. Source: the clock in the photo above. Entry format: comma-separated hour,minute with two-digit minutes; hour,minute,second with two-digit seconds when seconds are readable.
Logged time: 5,06
